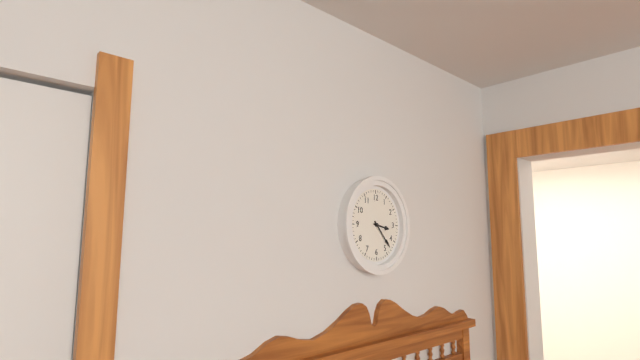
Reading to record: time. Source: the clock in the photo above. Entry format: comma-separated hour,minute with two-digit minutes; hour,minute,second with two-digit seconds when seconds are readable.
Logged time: 3,23
